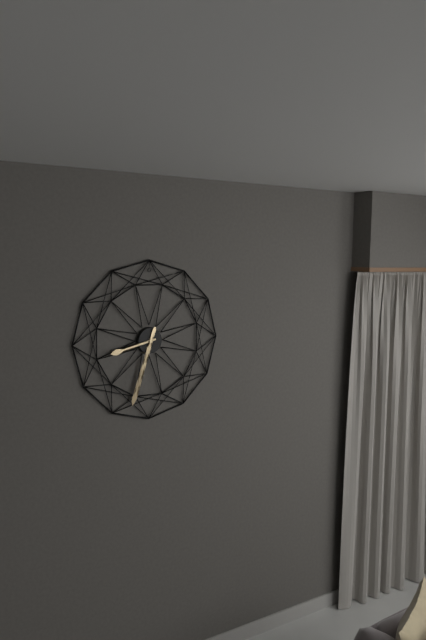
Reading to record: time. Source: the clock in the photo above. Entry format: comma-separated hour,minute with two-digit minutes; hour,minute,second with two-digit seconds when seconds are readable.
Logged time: 8,33
